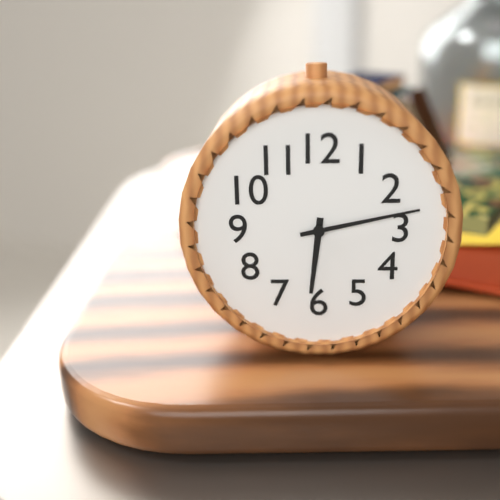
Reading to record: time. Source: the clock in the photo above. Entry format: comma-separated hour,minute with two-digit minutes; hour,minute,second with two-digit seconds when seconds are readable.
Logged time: 6,13
